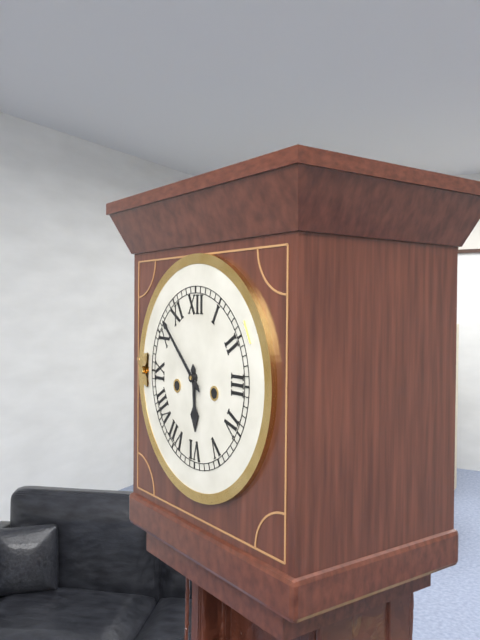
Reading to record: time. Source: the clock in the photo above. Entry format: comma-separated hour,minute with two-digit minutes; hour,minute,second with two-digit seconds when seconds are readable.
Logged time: 5,52
